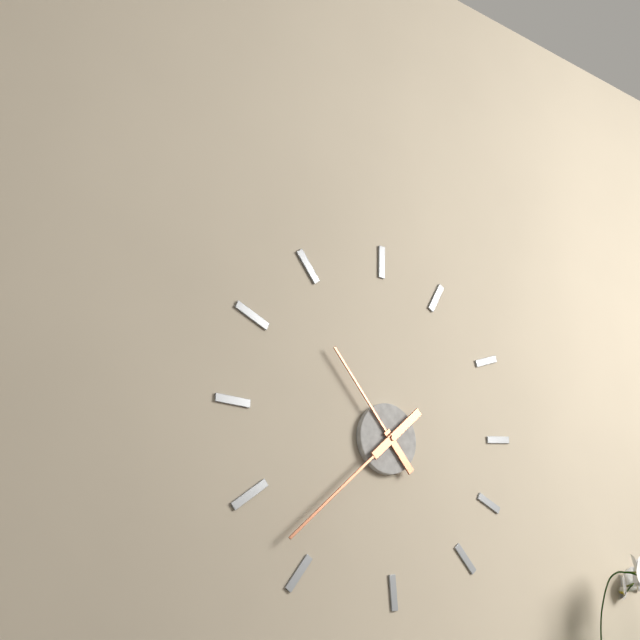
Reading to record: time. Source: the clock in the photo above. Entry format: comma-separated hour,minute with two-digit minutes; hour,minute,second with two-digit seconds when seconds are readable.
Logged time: 10,38
